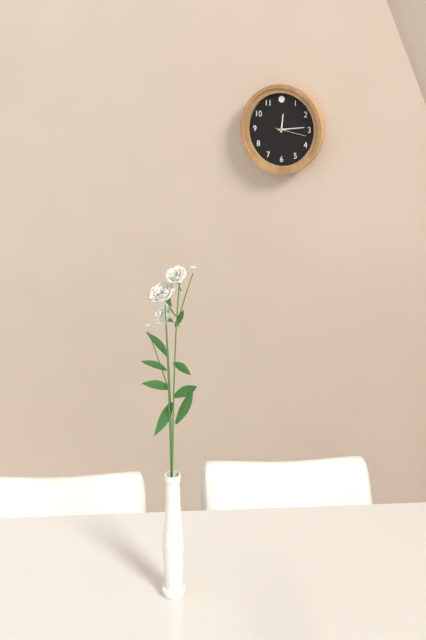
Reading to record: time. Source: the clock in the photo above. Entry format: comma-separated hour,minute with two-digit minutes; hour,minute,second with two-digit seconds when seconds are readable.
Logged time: 12,14
